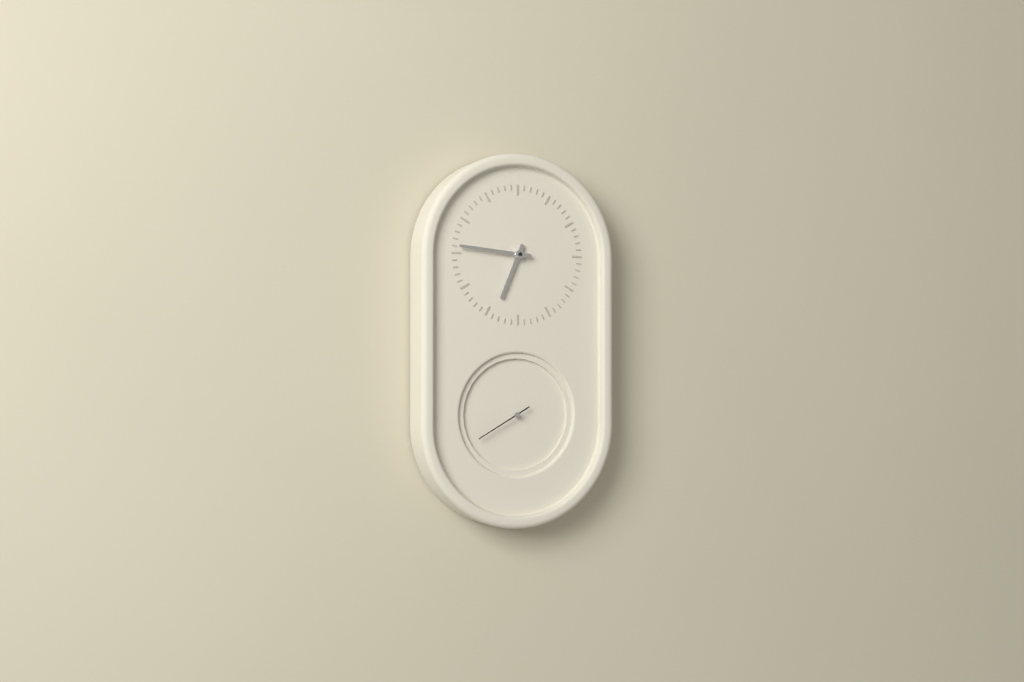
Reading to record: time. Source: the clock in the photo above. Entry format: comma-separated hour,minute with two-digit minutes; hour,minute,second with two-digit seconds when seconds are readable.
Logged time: 6,46
